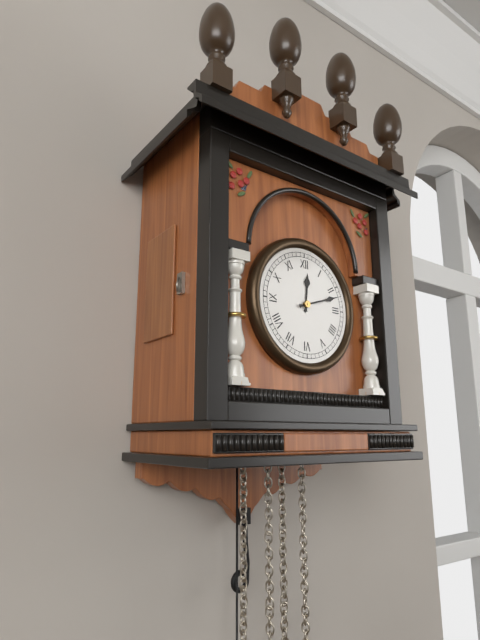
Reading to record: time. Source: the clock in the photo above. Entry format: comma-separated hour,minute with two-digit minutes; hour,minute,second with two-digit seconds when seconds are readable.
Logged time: 12,12
